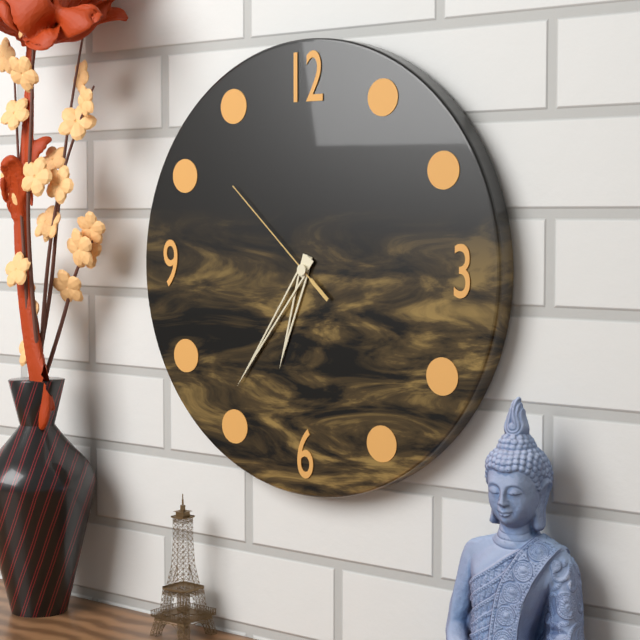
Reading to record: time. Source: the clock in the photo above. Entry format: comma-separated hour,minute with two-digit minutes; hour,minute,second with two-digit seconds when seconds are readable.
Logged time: 6,36,52
